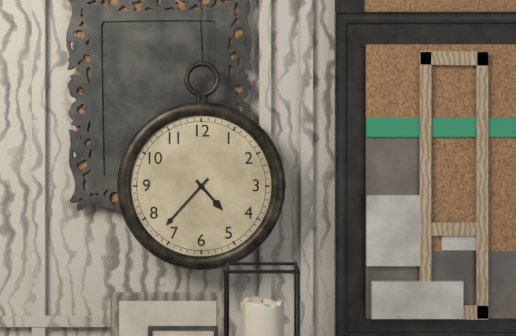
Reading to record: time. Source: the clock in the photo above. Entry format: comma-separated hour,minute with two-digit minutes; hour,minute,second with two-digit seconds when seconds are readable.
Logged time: 4,37
